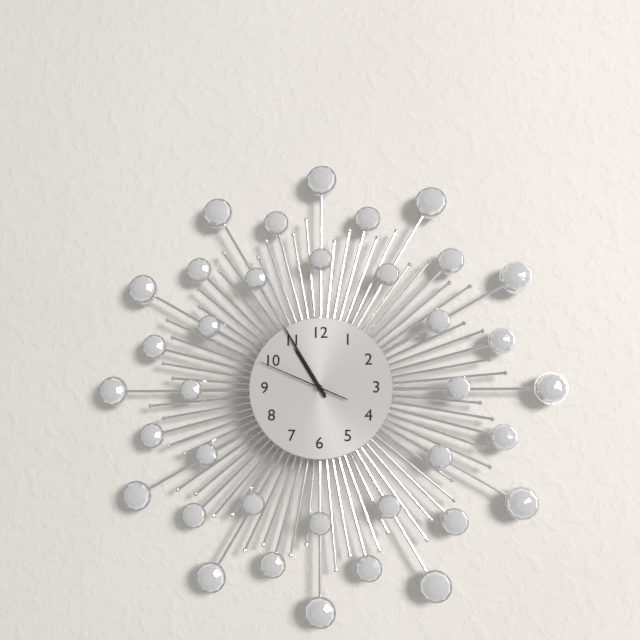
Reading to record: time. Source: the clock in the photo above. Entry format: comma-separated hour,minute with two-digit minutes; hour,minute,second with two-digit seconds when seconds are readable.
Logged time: 10,55,49
